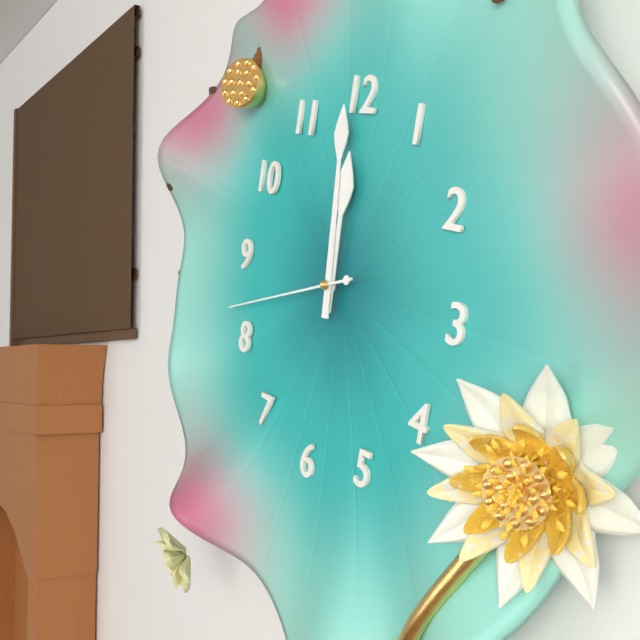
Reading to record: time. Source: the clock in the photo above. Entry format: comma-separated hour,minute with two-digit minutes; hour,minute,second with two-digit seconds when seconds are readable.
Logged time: 11,59,42
